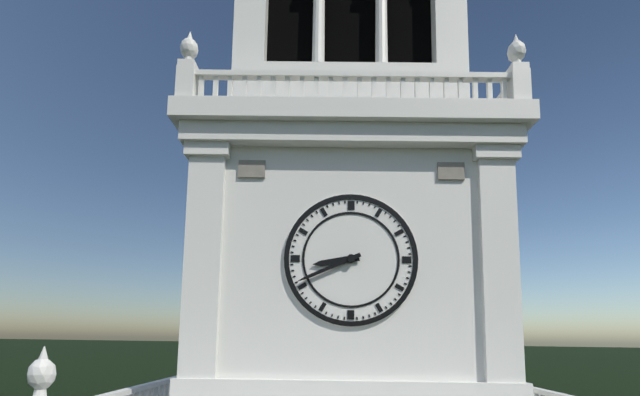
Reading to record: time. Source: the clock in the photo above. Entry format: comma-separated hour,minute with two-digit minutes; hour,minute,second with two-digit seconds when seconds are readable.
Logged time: 8,41
